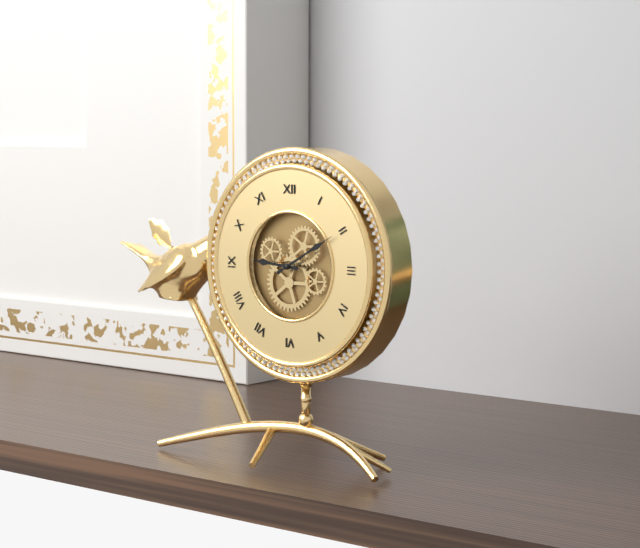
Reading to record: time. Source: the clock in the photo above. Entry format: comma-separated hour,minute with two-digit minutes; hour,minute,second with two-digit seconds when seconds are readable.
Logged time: 9,10
